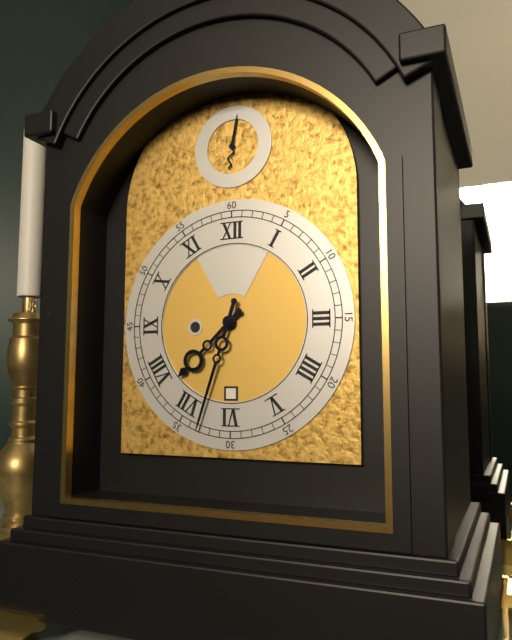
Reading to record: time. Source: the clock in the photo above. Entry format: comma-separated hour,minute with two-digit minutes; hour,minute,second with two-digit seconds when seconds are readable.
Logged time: 7,33
